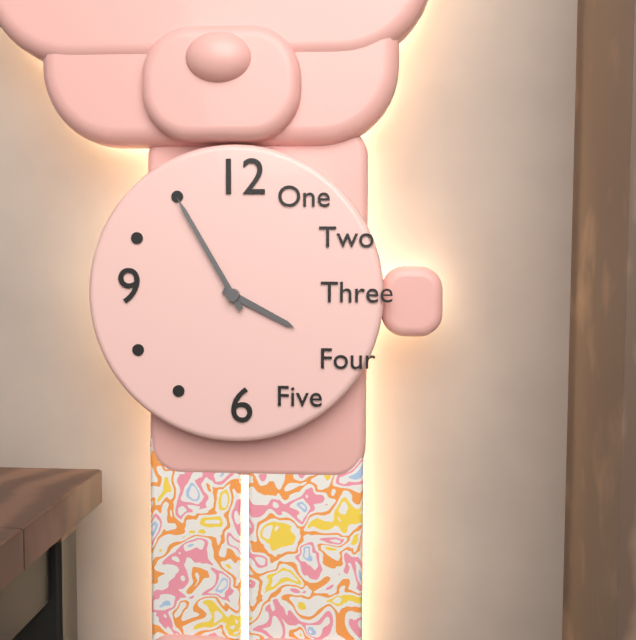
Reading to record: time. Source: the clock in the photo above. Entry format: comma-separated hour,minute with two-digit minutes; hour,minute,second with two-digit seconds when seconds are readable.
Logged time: 3,55
